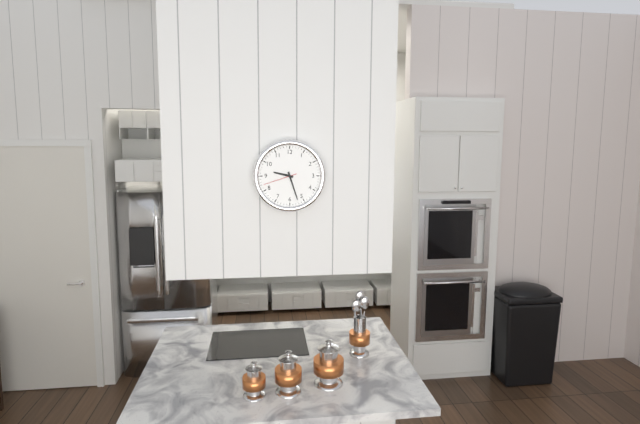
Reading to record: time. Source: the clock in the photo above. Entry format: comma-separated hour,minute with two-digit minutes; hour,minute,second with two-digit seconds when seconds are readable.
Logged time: 9,27
